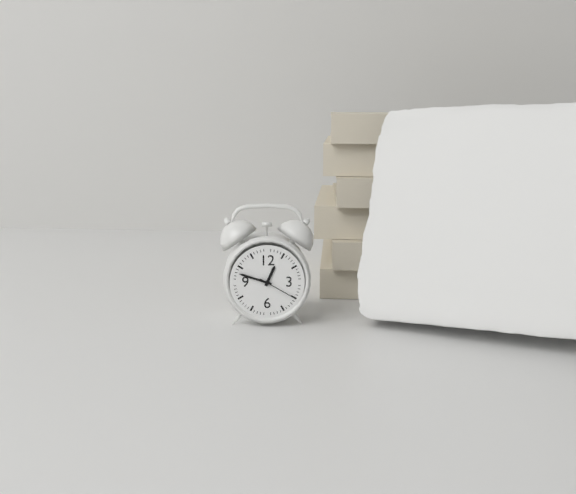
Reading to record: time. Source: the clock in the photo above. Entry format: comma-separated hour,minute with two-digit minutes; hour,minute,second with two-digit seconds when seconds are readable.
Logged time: 12,48
